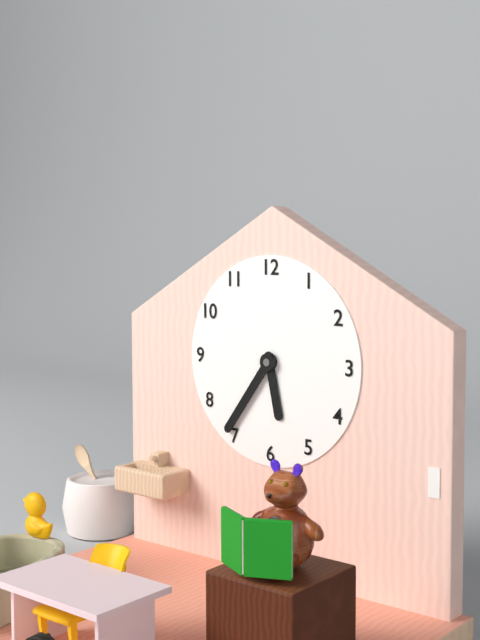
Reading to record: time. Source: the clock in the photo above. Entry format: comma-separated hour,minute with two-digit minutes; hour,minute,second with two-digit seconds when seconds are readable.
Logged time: 5,36
